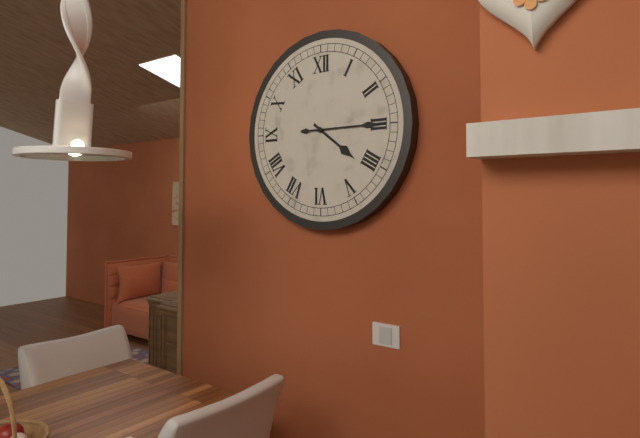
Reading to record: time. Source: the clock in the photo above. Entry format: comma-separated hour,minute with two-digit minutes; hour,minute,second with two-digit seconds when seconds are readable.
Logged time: 4,15
